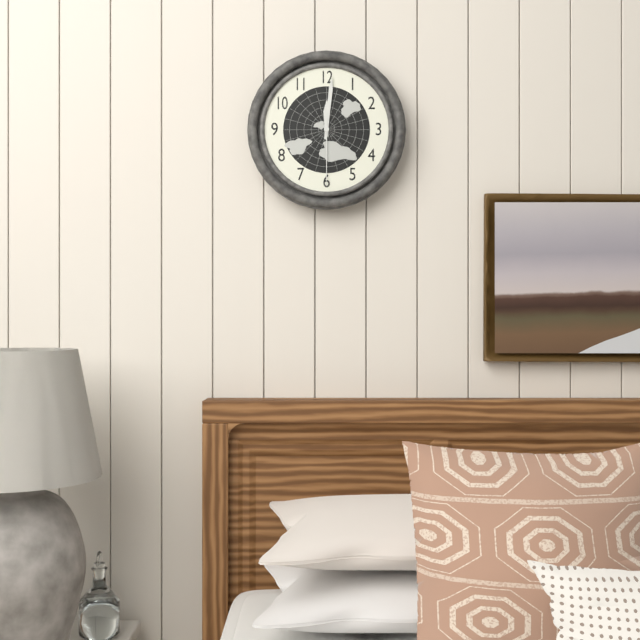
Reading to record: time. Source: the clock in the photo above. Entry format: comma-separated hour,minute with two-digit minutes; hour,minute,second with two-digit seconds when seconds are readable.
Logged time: 12,01,30
